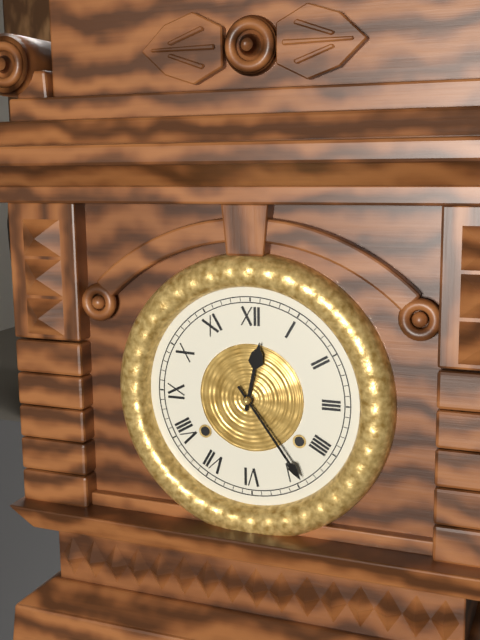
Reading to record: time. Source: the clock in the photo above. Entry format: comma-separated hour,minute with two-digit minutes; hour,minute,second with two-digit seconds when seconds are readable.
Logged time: 12,24
